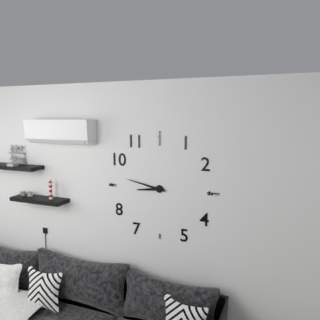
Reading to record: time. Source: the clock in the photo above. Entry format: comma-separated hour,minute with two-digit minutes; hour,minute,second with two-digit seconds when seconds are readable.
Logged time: 8,47
